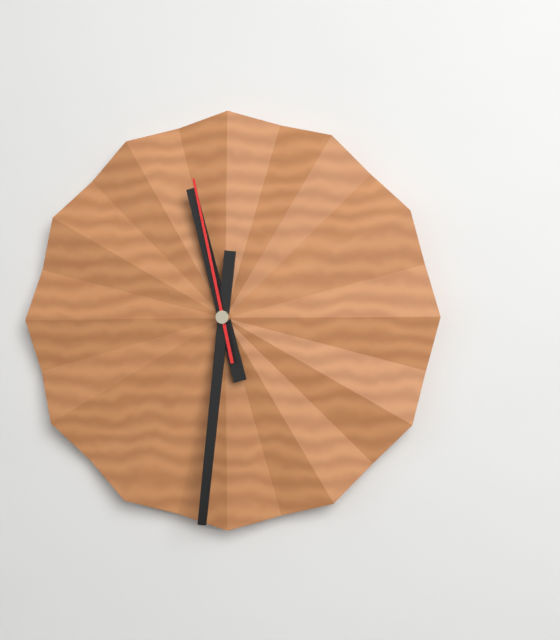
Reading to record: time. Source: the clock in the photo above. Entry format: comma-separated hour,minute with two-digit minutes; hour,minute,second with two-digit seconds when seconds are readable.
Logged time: 11,31,58
